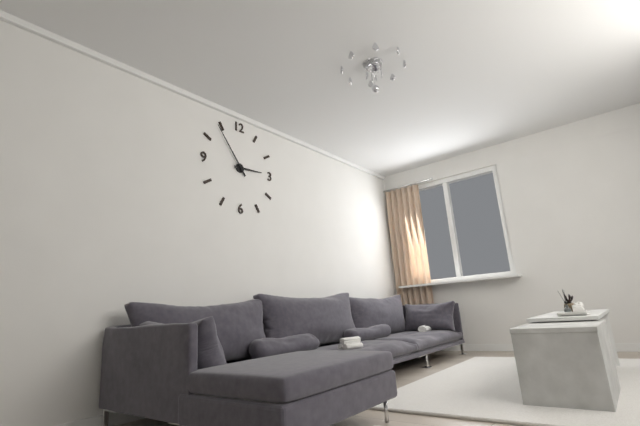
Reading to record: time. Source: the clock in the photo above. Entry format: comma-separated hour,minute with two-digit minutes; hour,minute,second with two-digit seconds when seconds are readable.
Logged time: 2,54
